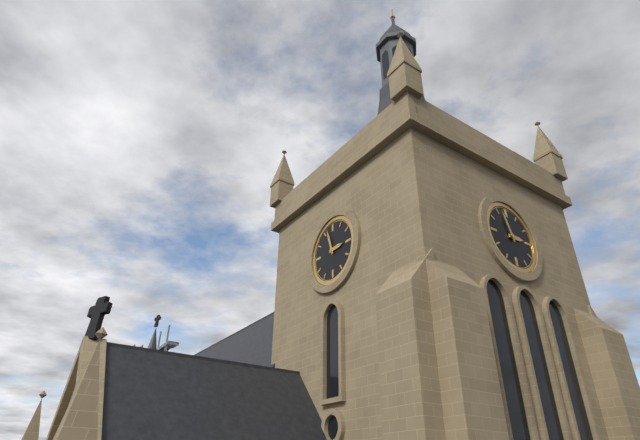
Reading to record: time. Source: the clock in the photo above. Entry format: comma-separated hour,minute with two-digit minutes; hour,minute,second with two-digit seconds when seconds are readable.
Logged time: 2,57
